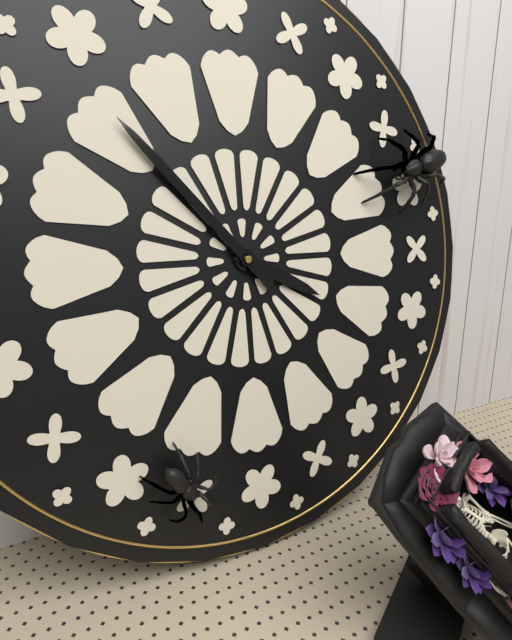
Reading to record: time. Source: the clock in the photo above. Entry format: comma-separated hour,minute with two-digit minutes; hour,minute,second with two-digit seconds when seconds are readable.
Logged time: 3,53
